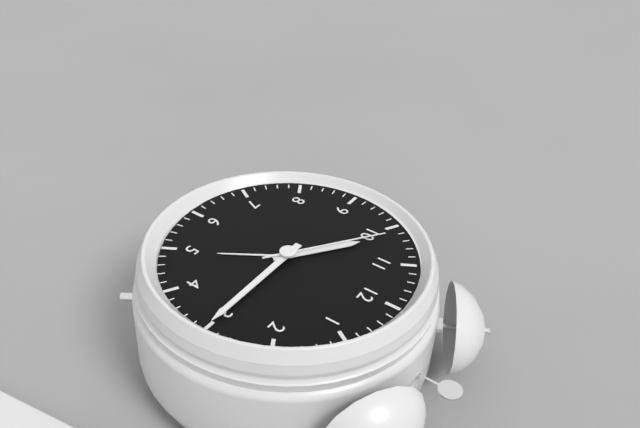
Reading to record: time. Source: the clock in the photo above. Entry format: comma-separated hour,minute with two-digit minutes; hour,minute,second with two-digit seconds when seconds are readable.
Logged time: 10,15,51
